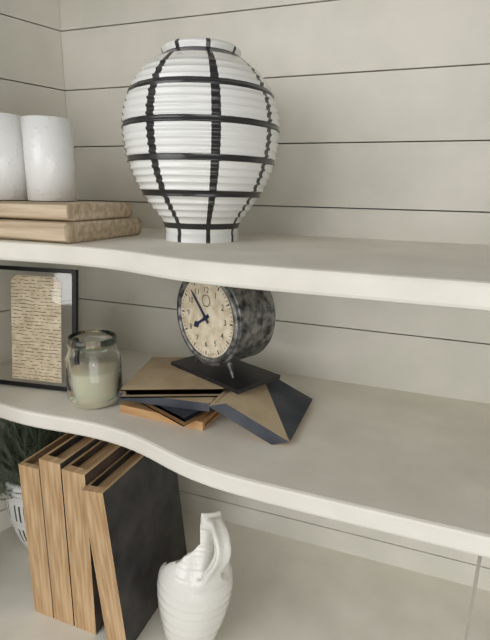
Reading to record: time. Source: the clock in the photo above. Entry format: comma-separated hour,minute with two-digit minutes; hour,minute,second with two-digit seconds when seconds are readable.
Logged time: 7,53
